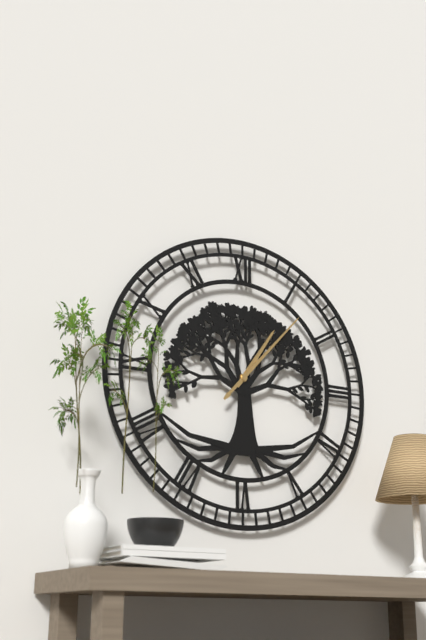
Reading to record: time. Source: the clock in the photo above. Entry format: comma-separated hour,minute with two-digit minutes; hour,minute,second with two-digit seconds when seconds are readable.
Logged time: 1,07
